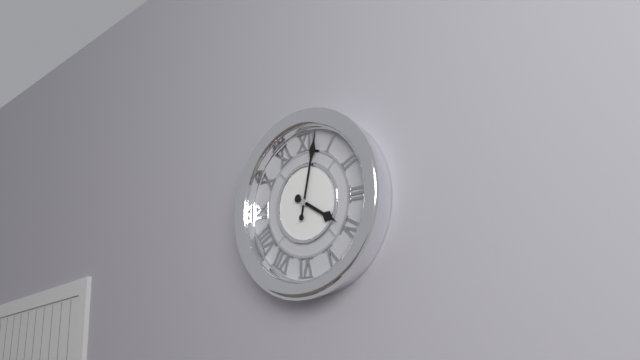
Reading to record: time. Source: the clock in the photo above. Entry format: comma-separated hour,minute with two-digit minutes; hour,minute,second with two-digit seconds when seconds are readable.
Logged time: 4,02
